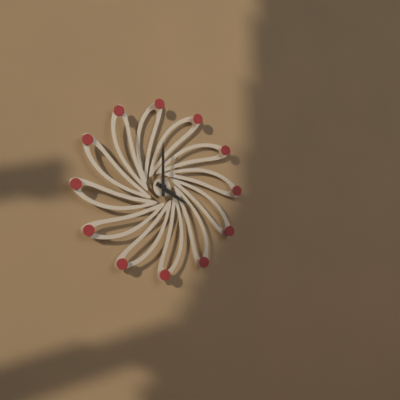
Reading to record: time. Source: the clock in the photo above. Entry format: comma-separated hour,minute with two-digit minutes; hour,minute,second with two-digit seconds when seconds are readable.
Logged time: 4,00
